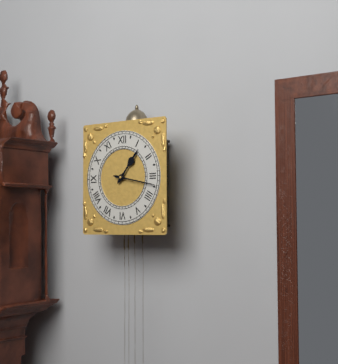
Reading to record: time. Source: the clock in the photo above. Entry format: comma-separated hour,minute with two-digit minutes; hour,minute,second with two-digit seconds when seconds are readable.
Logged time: 1,17
